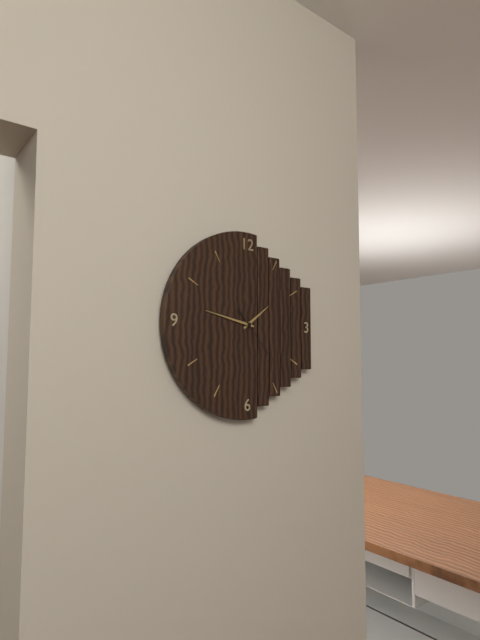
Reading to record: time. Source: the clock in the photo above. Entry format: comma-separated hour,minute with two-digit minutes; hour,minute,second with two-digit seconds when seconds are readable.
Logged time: 1,47,23
